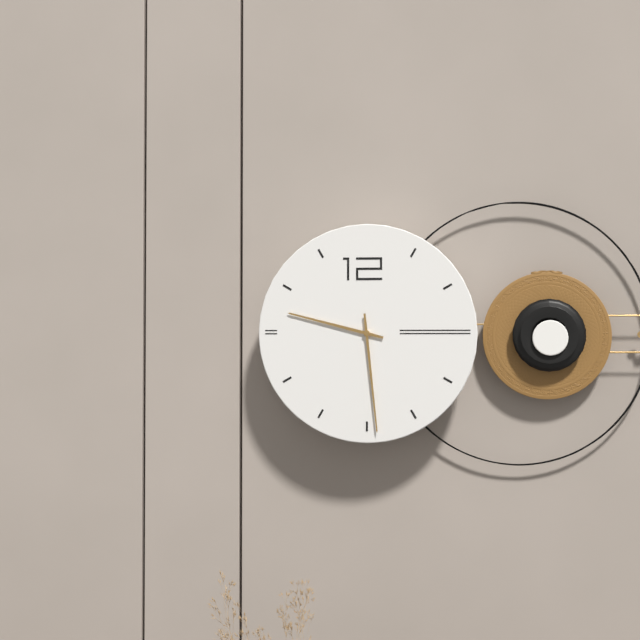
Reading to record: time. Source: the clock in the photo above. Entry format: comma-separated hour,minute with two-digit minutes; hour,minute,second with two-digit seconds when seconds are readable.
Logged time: 9,29
